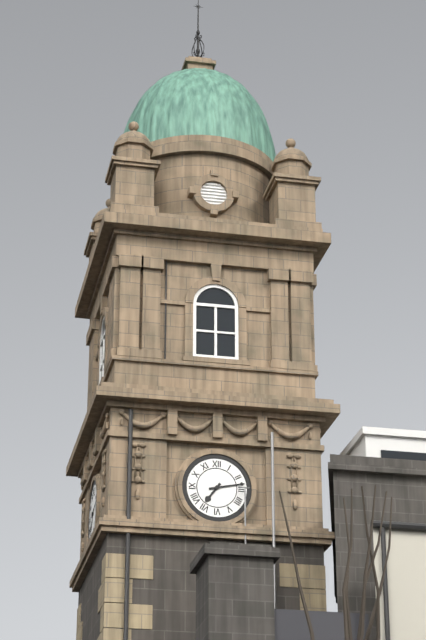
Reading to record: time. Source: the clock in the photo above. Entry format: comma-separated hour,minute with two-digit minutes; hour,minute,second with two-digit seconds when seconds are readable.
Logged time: 7,13
